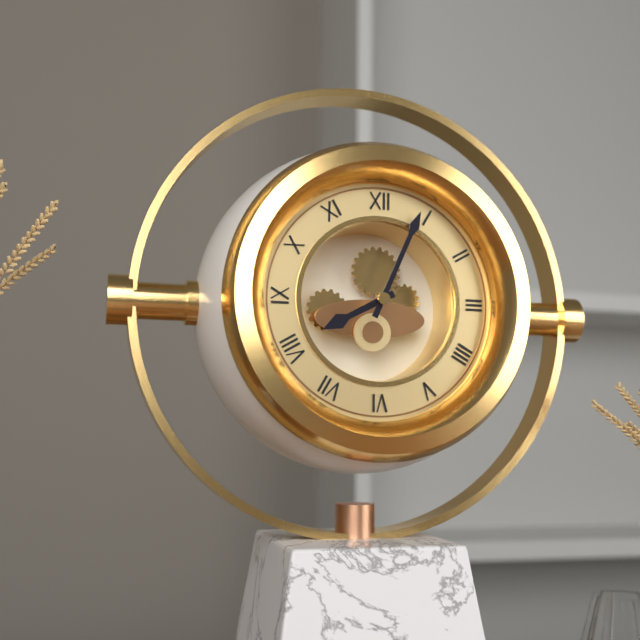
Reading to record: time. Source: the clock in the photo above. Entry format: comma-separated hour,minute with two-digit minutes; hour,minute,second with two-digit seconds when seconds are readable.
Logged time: 8,04
